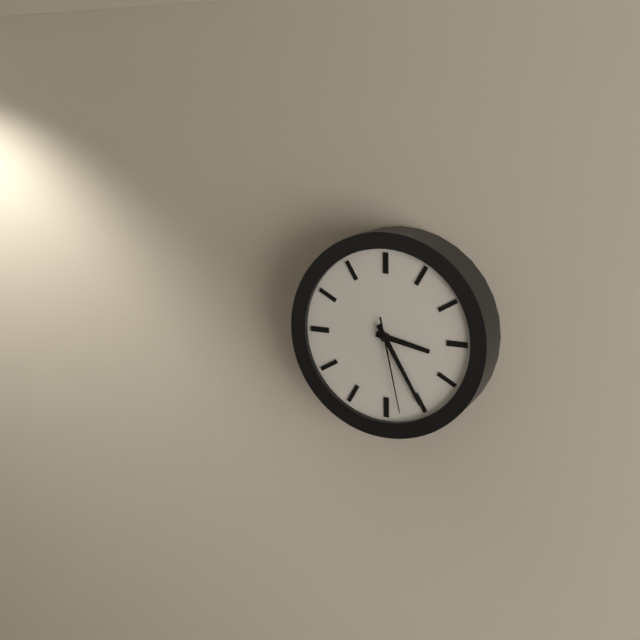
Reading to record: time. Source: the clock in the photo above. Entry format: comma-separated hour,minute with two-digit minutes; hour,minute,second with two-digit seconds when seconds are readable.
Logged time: 3,25,28
